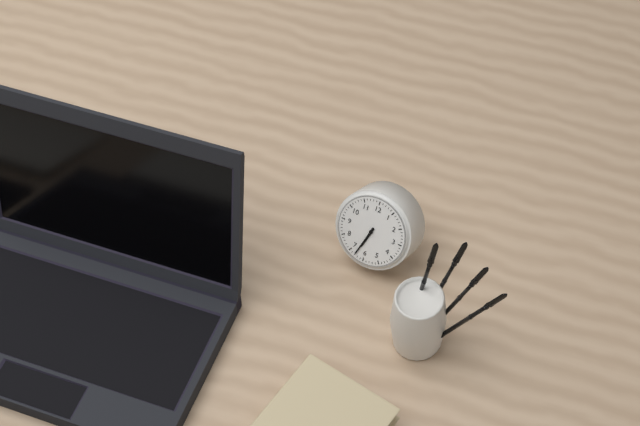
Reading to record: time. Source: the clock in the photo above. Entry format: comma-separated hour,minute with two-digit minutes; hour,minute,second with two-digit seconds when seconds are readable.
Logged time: 6,33
